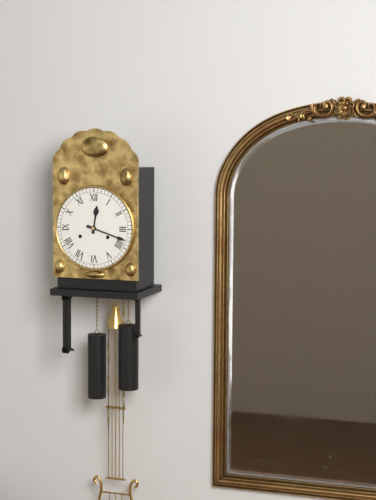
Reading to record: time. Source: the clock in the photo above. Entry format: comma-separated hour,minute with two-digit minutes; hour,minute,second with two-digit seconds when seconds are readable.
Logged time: 12,18
